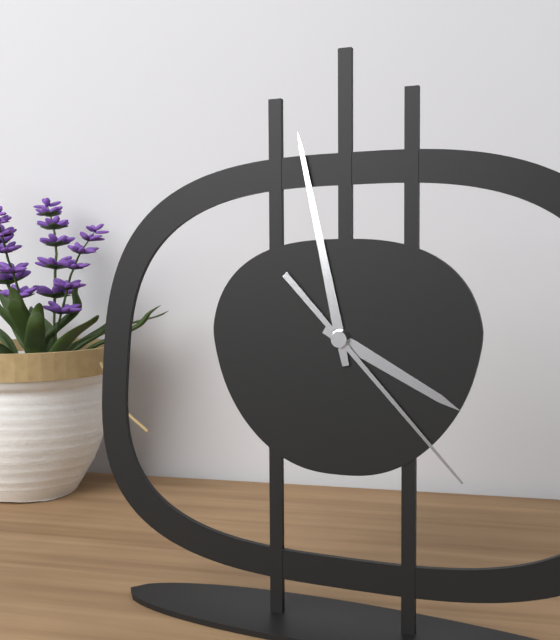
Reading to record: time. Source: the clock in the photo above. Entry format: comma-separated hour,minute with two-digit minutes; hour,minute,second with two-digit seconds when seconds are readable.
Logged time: 3,58,23
